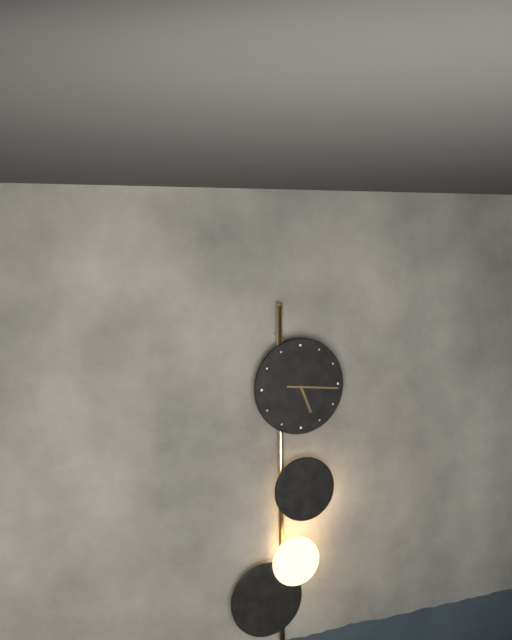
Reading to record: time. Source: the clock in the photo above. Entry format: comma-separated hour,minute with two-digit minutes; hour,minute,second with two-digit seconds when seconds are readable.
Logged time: 5,16
